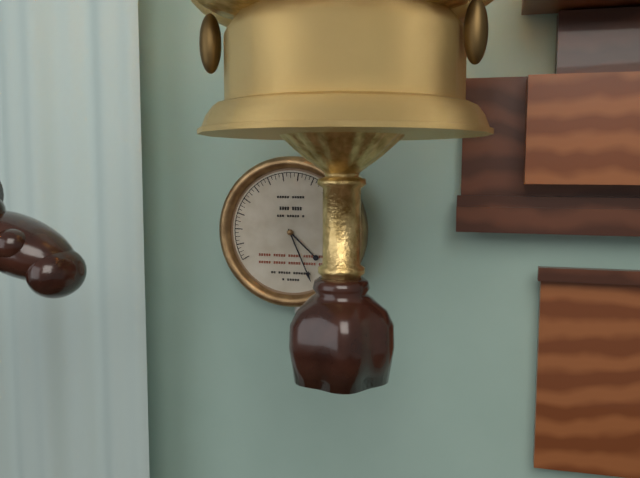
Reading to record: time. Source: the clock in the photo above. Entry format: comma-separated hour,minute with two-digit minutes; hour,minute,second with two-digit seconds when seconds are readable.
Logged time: 4,26
